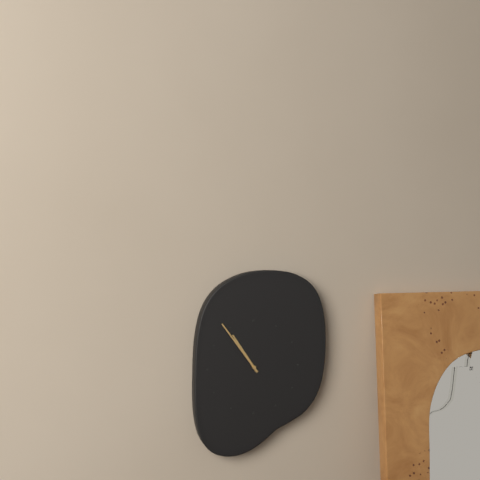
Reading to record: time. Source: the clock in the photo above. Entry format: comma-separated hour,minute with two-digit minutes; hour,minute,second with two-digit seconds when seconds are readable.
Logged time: 10,54
